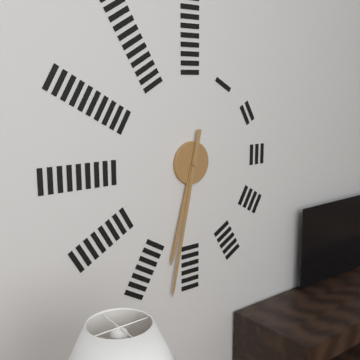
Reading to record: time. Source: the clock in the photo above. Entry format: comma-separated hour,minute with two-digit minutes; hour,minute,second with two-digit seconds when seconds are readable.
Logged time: 6,32
